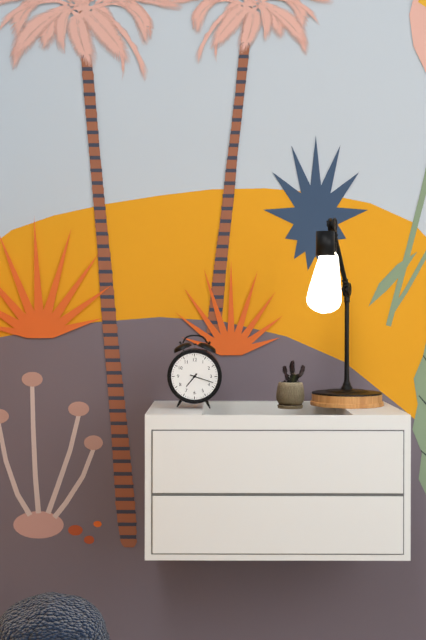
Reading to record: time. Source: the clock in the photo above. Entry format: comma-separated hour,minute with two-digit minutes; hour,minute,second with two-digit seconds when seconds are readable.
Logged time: 7,18
